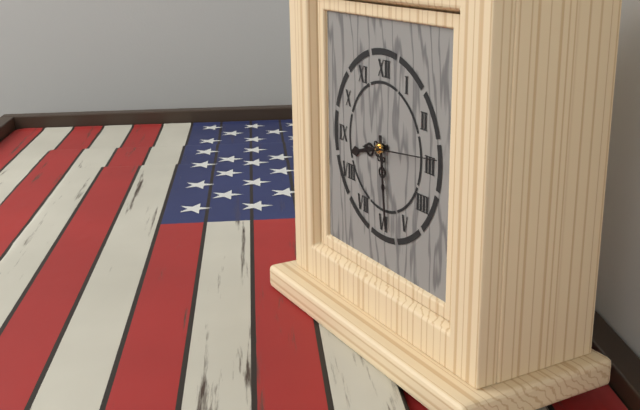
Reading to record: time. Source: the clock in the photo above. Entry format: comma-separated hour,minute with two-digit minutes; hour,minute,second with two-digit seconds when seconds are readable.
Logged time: 8,29,14
